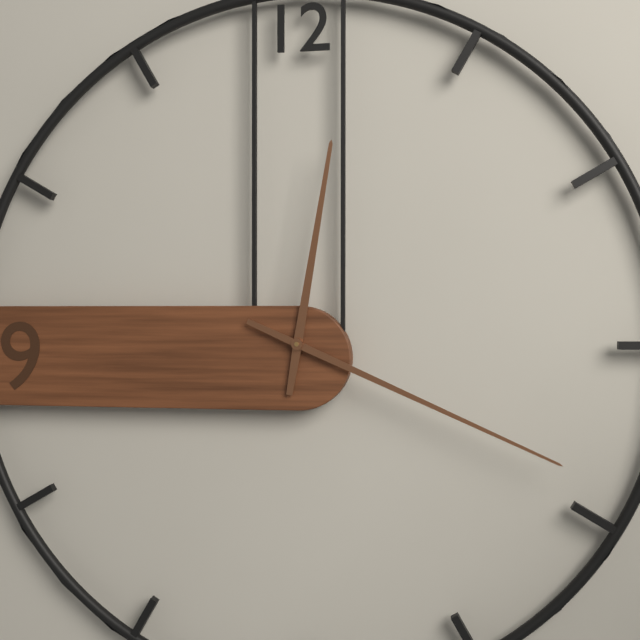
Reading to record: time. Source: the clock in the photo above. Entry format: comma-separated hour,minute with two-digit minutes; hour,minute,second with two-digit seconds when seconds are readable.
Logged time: 12,19
